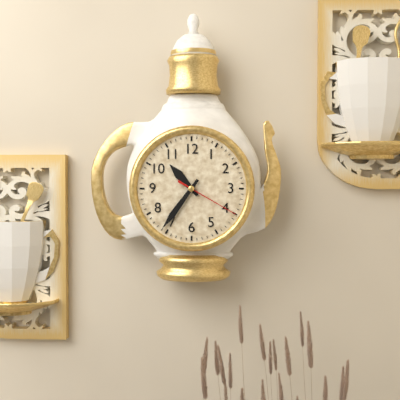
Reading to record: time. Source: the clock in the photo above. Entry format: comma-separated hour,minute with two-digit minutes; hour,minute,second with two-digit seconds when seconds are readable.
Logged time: 10,36,20
